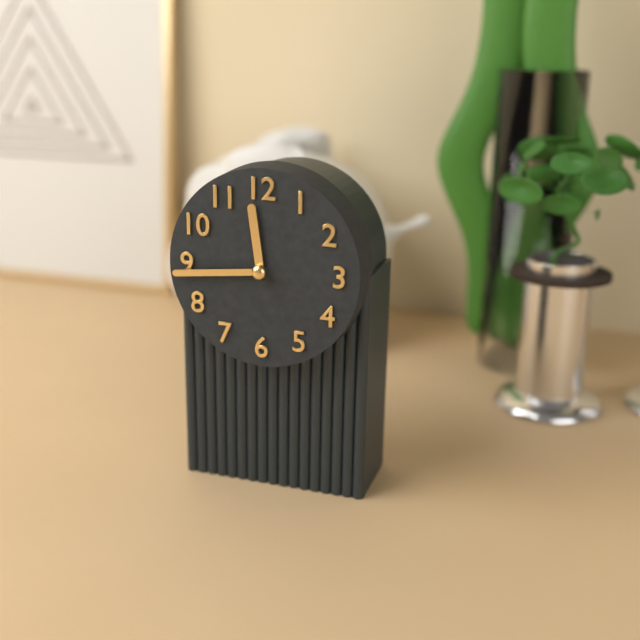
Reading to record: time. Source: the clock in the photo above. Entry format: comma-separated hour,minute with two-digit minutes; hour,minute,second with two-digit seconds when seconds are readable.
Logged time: 11,44
